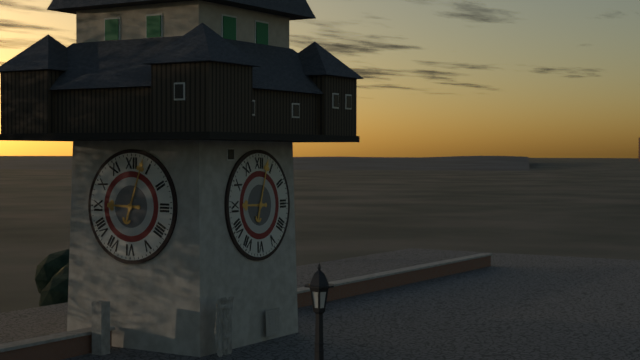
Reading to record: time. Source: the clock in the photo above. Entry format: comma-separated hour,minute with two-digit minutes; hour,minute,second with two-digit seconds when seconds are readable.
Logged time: 9,03
